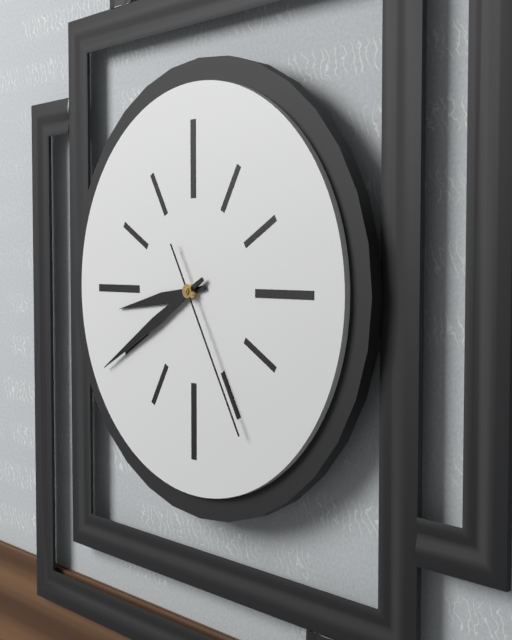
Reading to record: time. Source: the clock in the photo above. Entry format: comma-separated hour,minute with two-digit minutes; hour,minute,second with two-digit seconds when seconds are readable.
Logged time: 8,40,25
